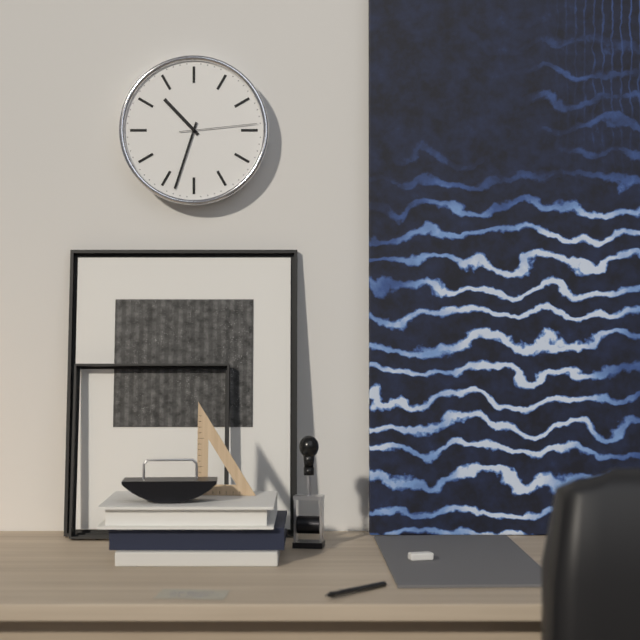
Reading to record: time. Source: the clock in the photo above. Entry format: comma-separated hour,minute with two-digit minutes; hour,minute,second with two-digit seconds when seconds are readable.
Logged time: 10,33,14
